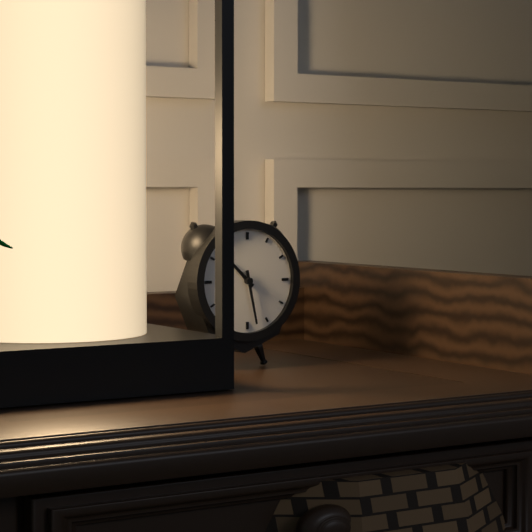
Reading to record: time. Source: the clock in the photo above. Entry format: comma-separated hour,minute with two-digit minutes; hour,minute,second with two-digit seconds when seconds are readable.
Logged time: 10,28
